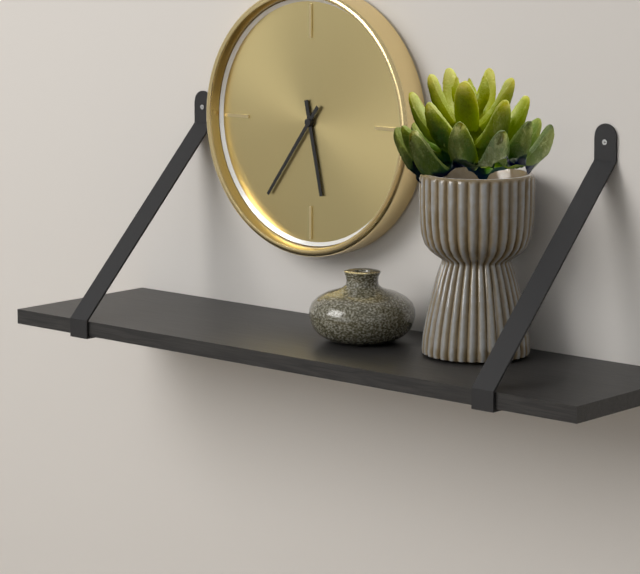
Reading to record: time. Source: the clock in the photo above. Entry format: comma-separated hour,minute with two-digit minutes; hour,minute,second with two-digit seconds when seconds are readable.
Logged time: 5,36
